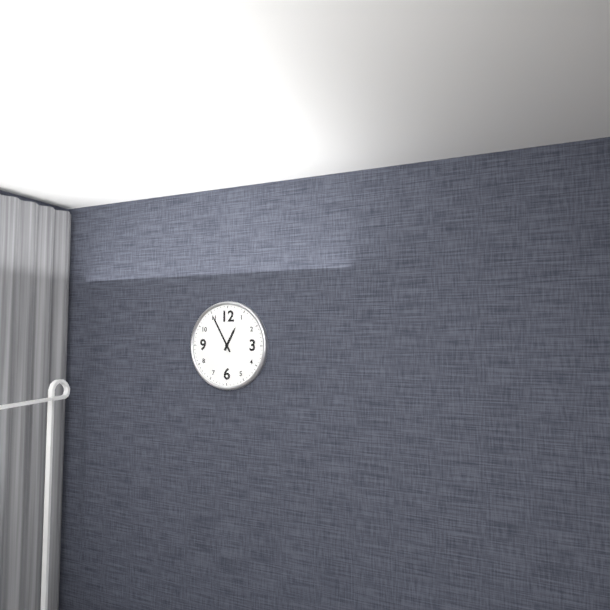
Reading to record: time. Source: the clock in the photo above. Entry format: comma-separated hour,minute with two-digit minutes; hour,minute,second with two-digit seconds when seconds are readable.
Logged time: 12,55
